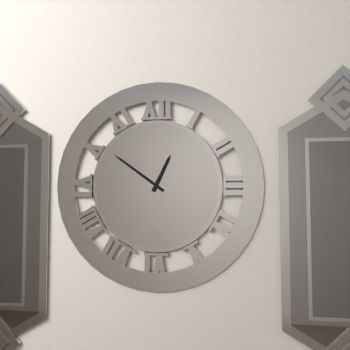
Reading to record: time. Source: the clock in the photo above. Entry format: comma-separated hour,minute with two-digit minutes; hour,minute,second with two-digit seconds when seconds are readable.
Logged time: 12,51
